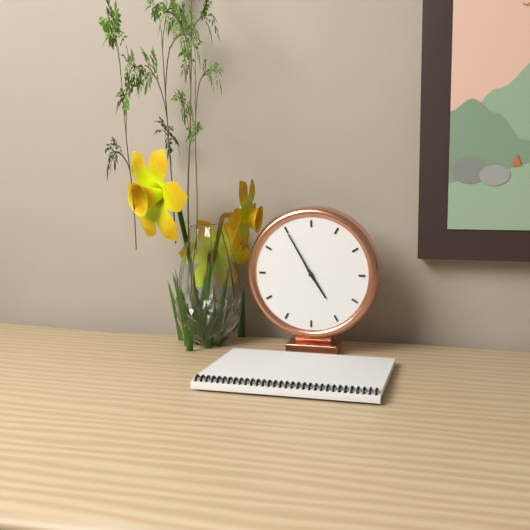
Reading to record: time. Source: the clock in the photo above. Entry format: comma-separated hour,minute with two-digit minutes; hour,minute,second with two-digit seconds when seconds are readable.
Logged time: 4,55
